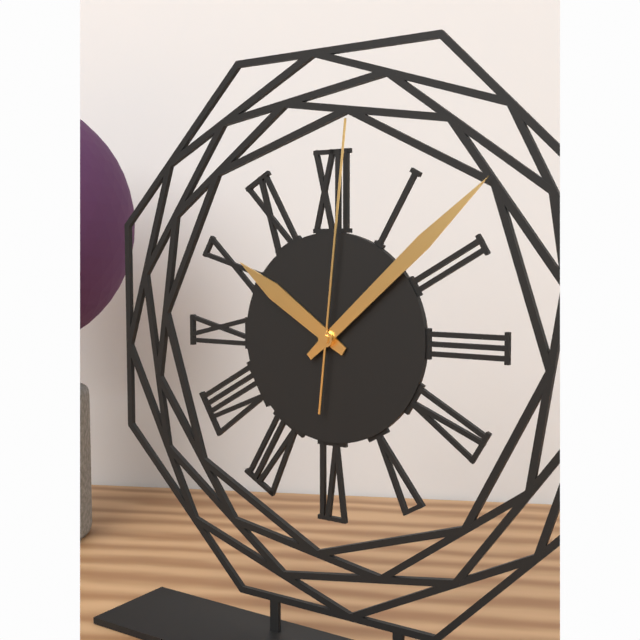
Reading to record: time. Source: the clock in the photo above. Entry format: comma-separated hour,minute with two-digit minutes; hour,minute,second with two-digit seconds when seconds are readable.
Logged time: 10,08,01
